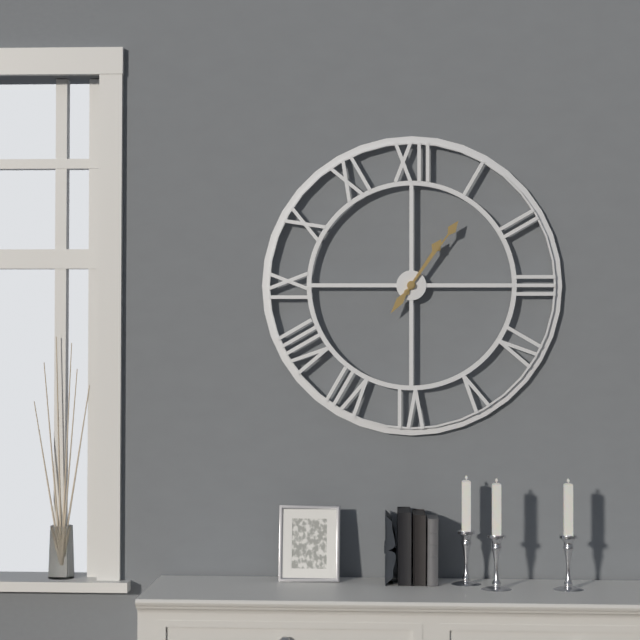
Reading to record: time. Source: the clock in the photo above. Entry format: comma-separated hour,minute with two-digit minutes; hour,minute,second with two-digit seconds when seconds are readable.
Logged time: 1,06
